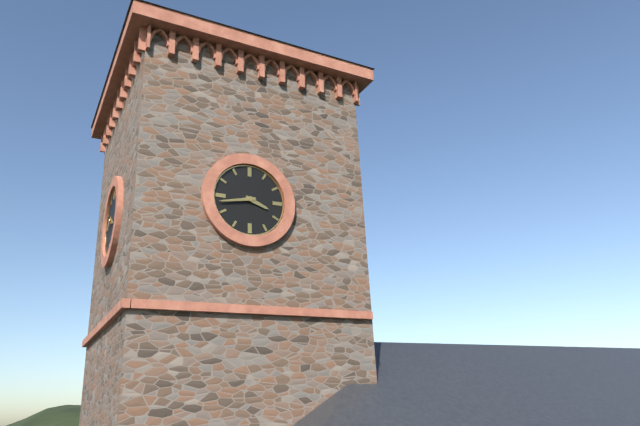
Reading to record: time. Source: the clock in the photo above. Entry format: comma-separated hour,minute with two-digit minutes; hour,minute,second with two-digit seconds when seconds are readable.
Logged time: 3,43
